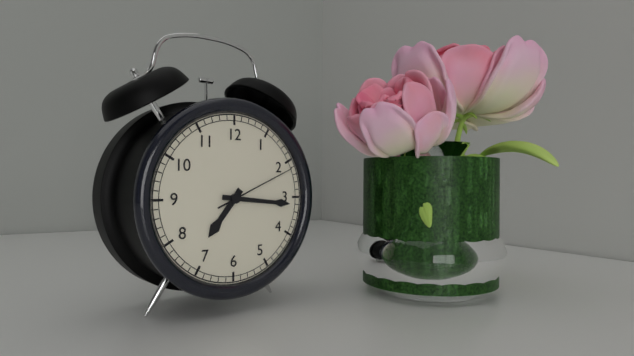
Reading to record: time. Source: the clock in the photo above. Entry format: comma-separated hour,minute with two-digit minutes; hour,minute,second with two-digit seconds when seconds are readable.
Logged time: 7,16,11
